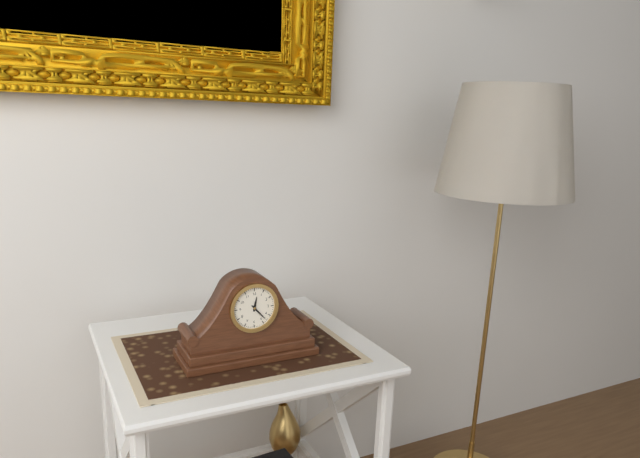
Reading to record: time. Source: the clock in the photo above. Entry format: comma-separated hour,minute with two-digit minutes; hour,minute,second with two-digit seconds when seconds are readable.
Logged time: 12,23
